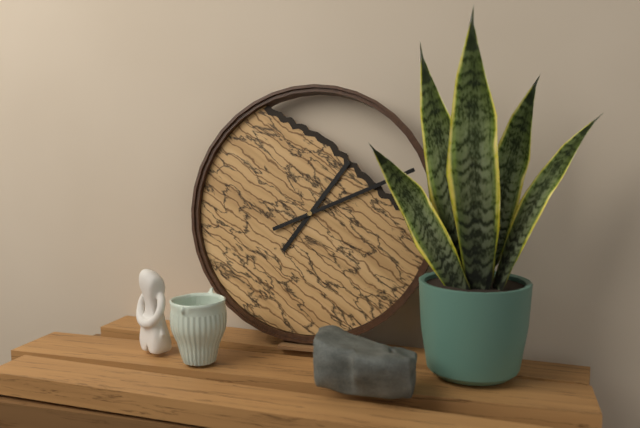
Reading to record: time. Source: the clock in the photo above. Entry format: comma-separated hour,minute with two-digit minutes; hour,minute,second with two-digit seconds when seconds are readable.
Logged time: 1,11
